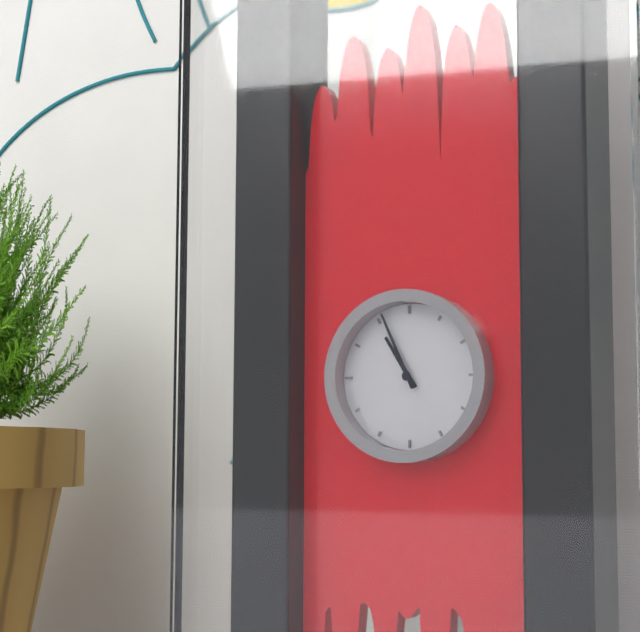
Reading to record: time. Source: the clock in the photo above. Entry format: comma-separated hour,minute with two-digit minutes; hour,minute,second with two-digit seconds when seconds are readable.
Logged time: 10,56
